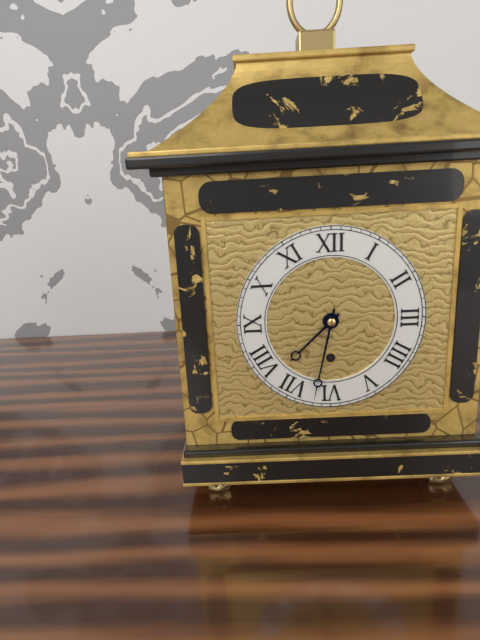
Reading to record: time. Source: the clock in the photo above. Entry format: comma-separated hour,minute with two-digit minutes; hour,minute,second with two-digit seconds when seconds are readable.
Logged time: 7,32
